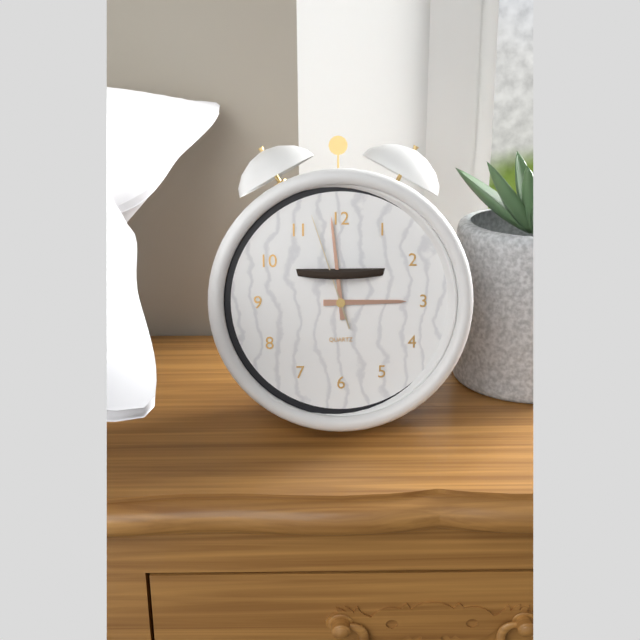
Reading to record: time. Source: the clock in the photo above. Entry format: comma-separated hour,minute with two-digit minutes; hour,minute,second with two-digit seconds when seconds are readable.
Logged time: 2,59,57
